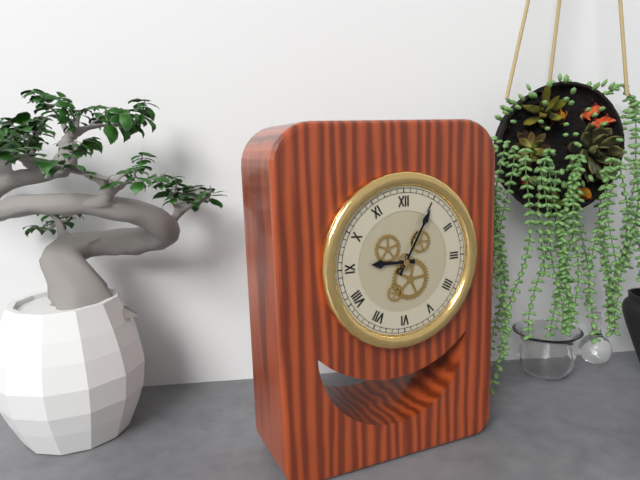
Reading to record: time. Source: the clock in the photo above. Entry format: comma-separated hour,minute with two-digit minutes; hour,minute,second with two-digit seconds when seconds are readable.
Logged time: 9,05
